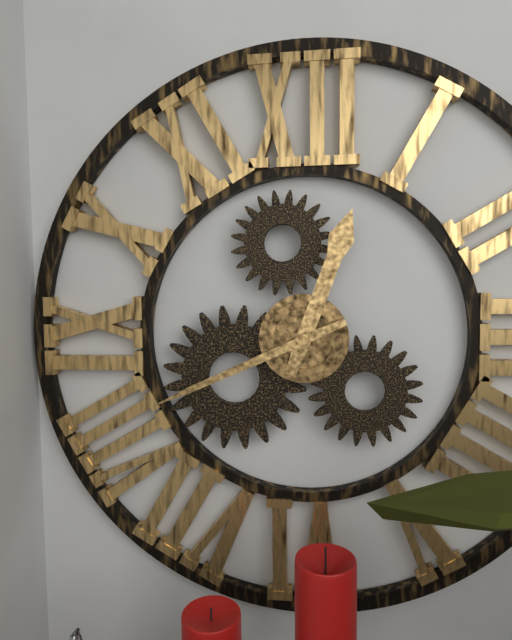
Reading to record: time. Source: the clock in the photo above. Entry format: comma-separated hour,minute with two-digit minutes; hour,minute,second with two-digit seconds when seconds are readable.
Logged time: 12,41
